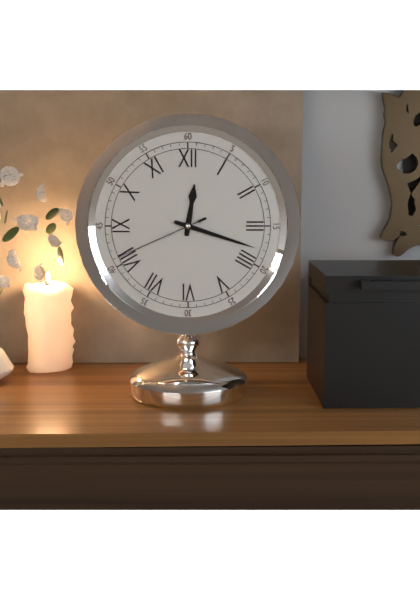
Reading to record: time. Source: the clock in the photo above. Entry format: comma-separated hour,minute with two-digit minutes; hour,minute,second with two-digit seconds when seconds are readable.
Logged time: 12,18,41
